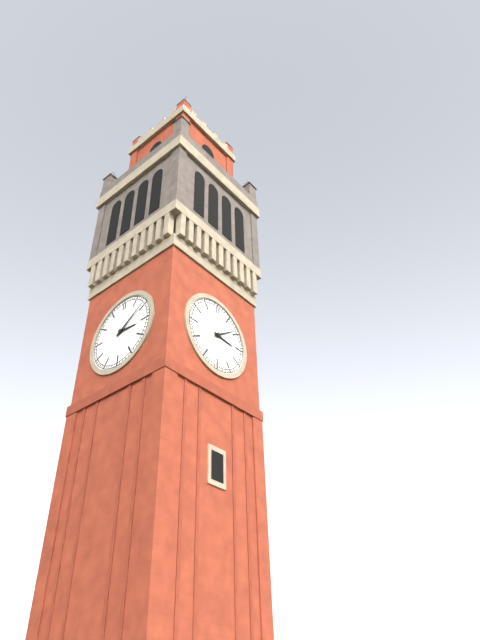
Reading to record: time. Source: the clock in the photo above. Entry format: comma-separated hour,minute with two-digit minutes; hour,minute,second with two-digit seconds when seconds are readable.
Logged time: 3,09
